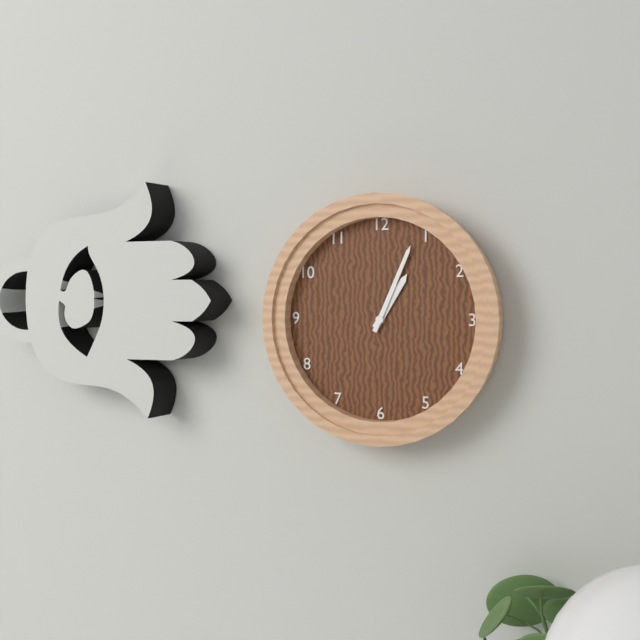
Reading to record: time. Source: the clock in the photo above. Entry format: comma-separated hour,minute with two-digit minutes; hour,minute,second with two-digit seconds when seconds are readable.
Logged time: 1,04
